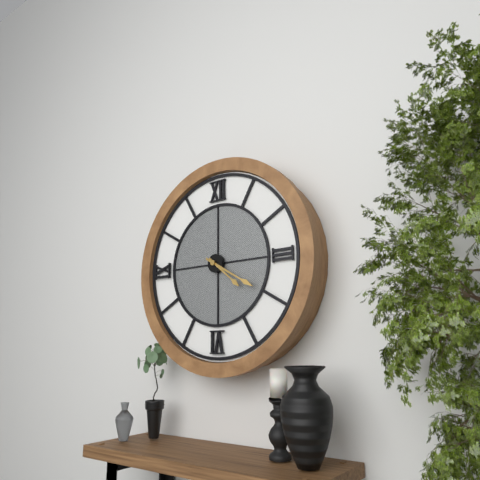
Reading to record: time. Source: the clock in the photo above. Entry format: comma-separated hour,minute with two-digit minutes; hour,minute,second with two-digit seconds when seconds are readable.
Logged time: 4,20
